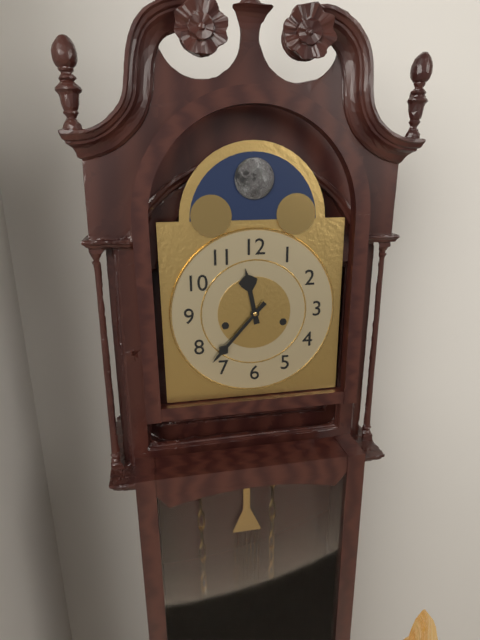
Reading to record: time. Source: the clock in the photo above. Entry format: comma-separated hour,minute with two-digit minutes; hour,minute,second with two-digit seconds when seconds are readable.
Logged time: 11,37
